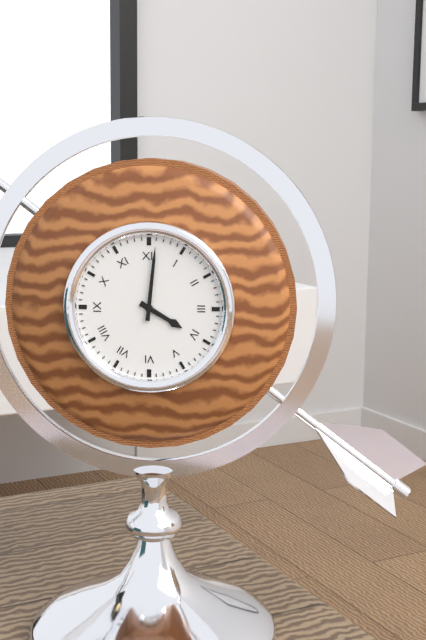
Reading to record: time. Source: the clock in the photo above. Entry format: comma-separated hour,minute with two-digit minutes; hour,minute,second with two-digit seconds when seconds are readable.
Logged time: 4,01
